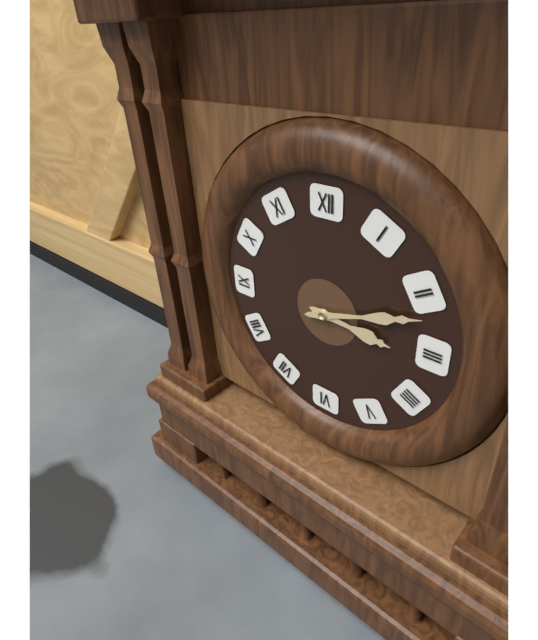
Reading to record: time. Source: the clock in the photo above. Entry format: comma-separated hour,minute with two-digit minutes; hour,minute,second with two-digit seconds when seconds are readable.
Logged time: 3,12
